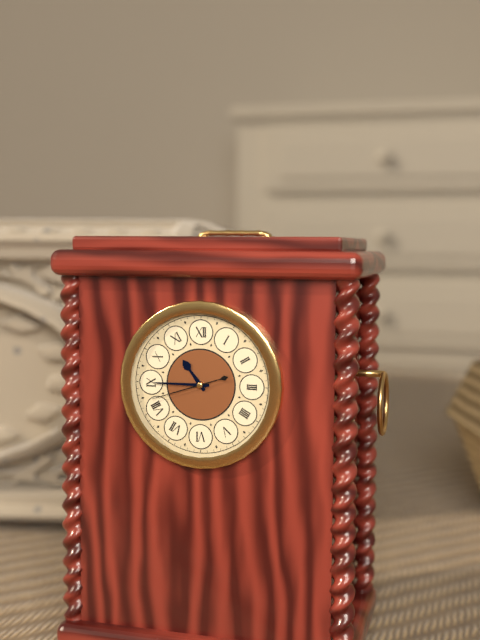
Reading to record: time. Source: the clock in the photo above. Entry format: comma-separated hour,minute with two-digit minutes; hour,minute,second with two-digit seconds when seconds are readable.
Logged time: 10,45,42
